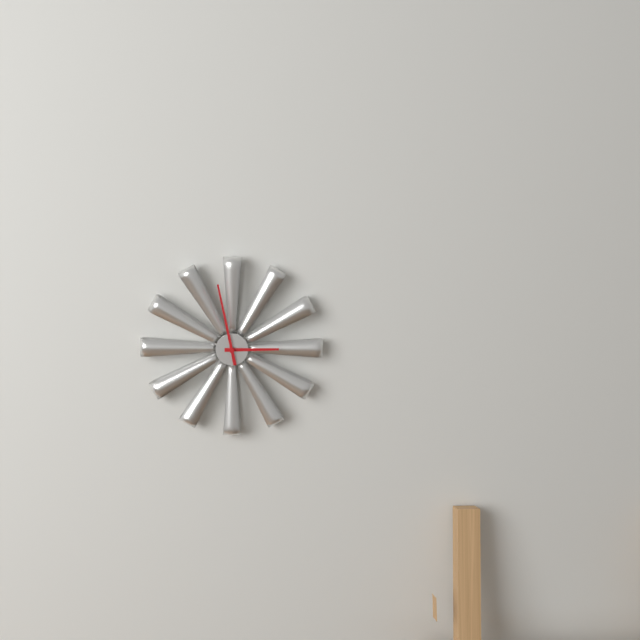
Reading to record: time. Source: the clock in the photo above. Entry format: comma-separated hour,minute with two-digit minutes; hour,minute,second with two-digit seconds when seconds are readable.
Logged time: 2,58
